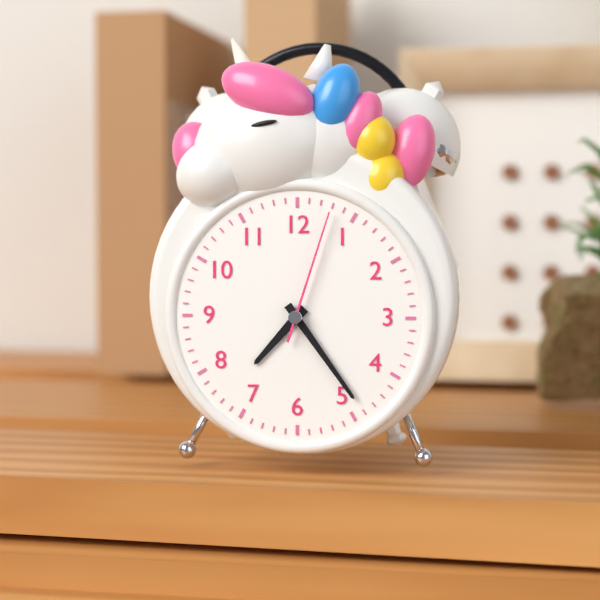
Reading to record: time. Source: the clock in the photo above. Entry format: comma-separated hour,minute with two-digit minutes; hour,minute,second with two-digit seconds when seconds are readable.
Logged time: 7,24,03
